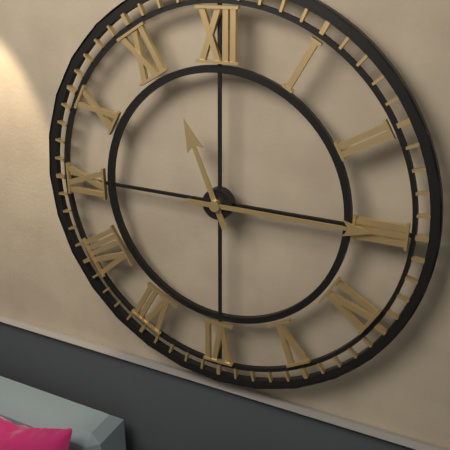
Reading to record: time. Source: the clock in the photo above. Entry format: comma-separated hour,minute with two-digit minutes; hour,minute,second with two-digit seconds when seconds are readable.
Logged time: 11,15
